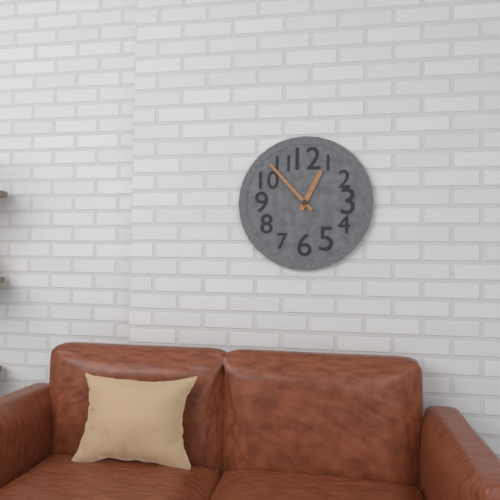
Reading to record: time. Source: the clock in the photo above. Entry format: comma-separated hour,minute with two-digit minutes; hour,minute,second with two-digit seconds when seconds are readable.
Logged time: 12,53
